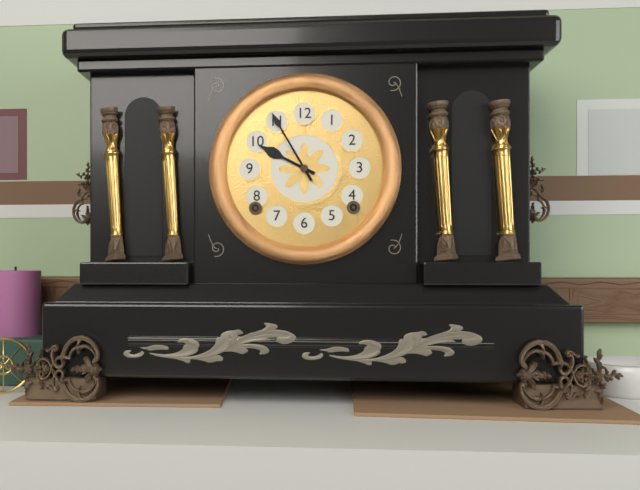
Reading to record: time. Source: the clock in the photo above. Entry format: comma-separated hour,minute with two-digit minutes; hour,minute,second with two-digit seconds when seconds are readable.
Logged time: 9,55
